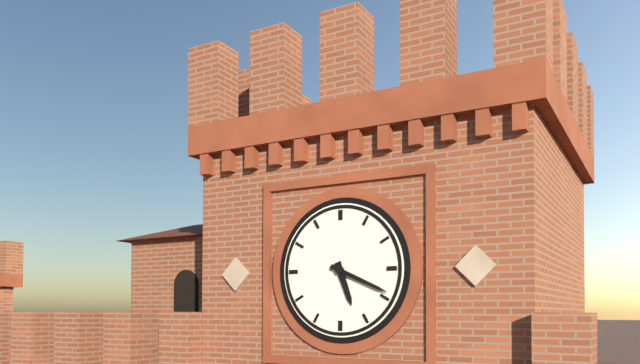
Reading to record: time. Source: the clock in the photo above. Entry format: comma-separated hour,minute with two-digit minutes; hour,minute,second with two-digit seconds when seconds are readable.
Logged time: 5,19
